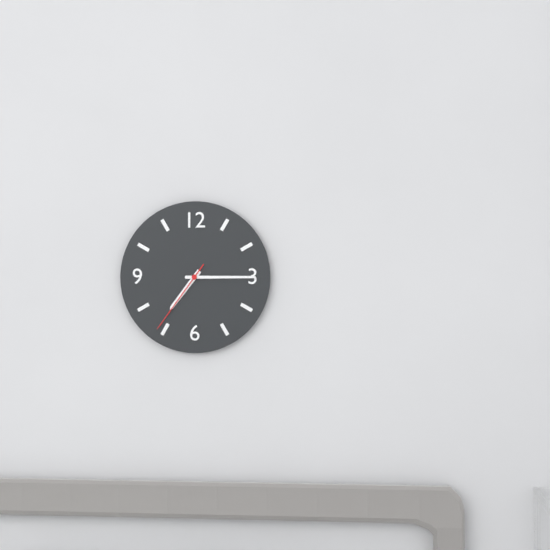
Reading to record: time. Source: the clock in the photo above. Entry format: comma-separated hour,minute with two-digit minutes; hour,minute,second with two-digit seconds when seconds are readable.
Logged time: 7,15,36
